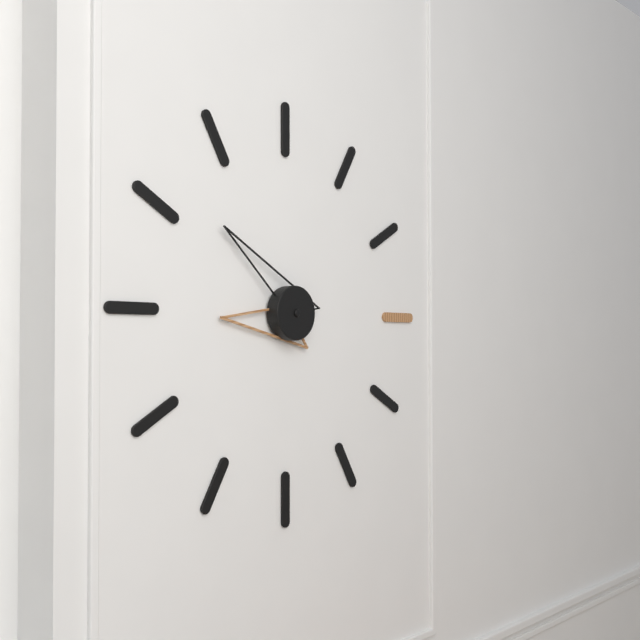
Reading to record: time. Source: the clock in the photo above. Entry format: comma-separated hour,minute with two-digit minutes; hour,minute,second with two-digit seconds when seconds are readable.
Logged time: 8,52
